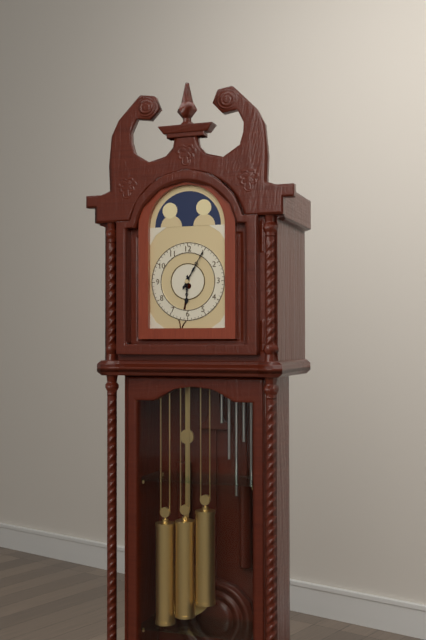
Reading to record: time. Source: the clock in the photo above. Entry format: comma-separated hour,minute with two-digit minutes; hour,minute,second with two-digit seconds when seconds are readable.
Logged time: 6,05
